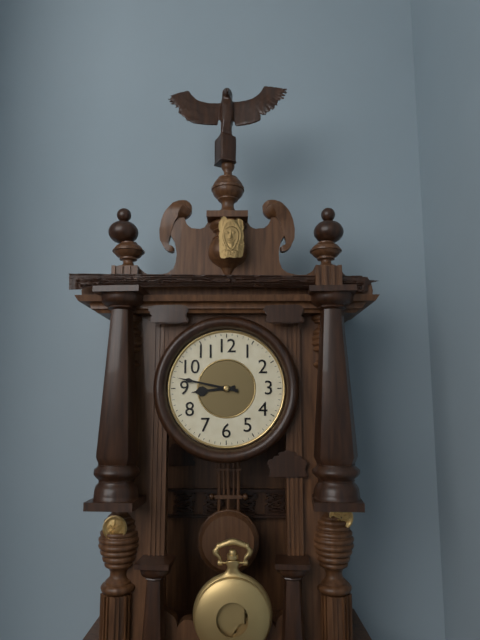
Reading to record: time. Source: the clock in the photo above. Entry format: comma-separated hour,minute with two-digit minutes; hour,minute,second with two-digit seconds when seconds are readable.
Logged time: 8,47
